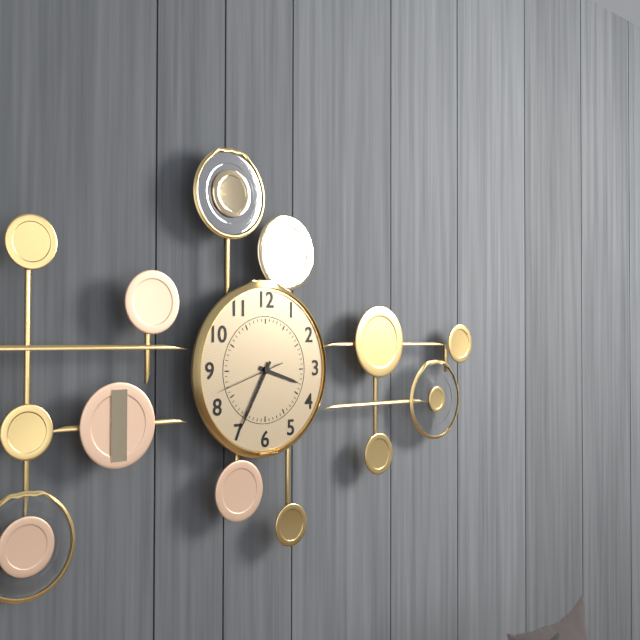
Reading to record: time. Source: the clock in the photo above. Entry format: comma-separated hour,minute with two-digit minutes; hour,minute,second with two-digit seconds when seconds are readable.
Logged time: 3,35,42
